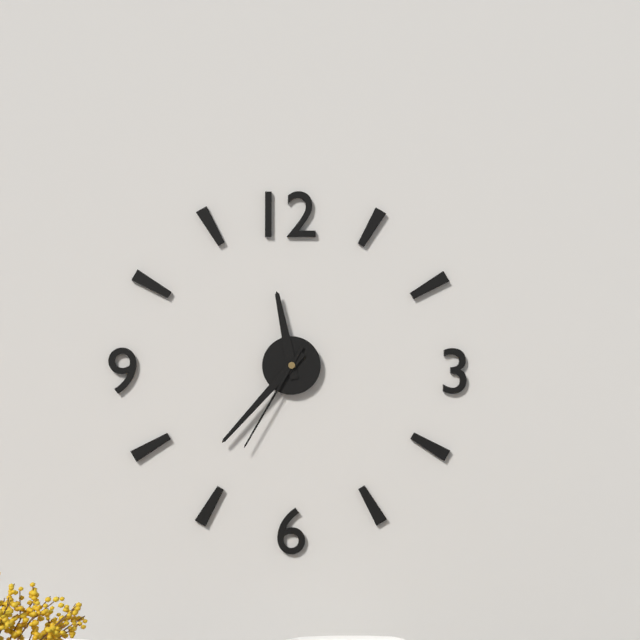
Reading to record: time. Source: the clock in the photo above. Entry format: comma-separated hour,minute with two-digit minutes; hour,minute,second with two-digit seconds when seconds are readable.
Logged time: 11,37,35
